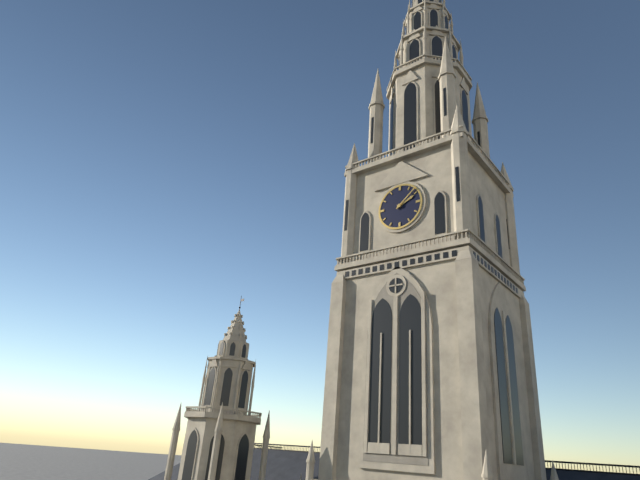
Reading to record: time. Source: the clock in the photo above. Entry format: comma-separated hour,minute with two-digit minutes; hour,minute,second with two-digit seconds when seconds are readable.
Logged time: 2,08
